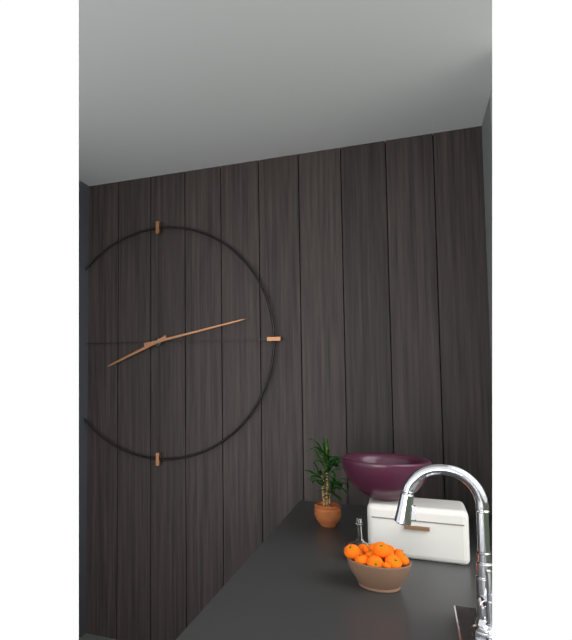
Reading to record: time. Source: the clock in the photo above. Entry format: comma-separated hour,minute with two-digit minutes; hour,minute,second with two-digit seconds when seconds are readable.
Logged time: 8,13
